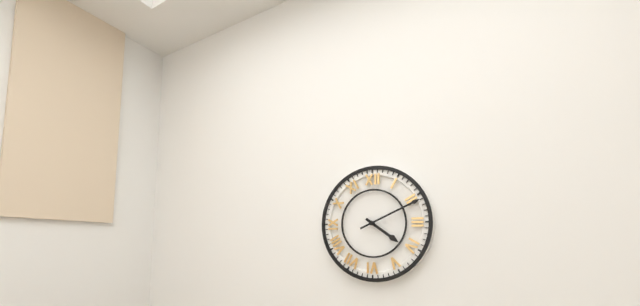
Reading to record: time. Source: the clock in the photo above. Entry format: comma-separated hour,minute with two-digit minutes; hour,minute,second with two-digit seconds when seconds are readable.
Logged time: 4,11
